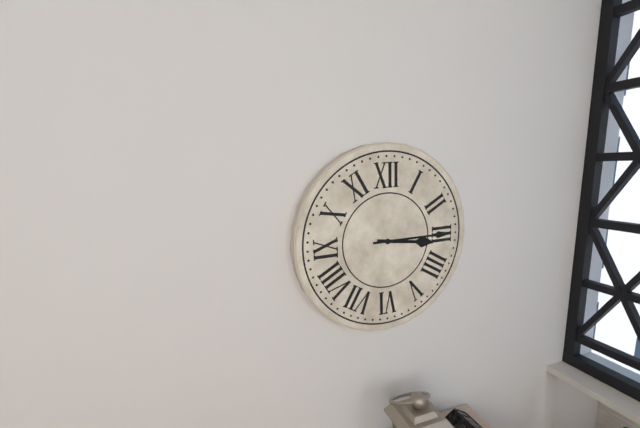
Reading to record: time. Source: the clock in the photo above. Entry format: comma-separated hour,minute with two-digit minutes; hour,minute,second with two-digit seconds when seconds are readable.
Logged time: 3,15
